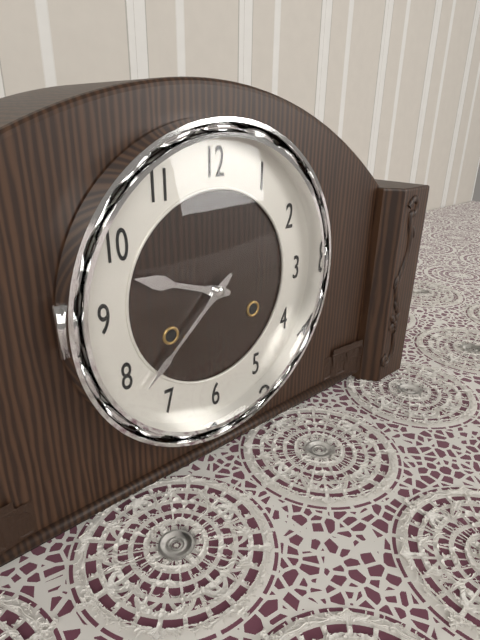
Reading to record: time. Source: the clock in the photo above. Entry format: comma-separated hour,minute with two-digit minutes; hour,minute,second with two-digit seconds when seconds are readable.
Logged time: 9,38
